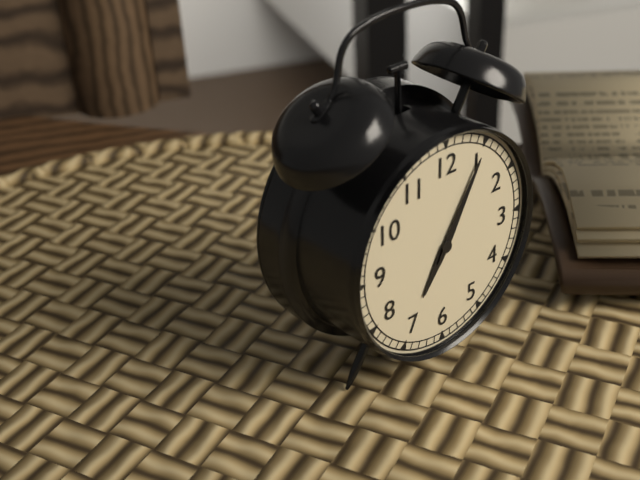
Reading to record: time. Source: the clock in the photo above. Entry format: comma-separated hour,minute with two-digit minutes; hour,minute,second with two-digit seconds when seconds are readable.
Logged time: 7,05
